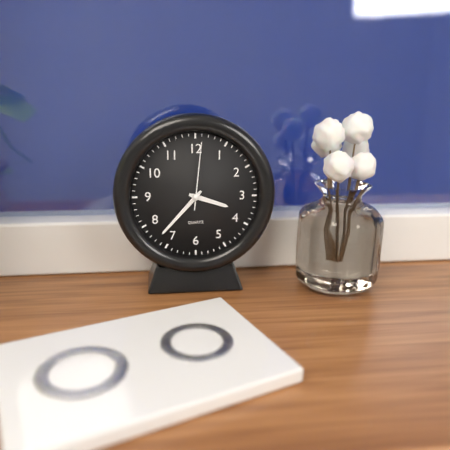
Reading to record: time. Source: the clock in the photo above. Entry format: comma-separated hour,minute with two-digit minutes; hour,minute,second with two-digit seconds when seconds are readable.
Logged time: 3,37,01
